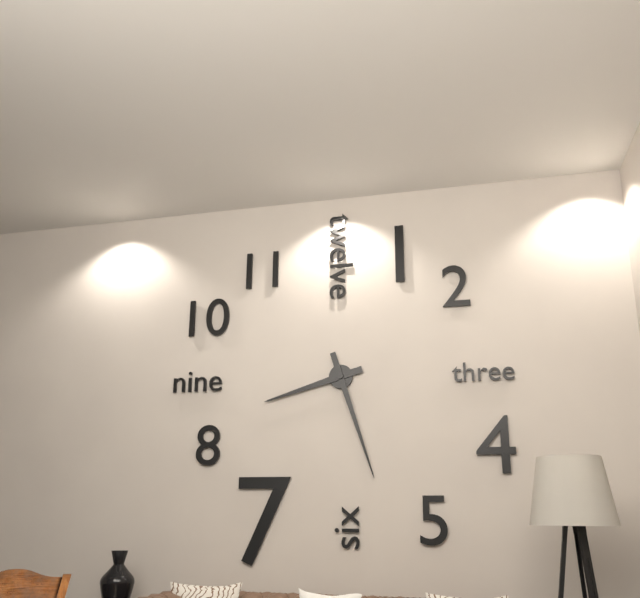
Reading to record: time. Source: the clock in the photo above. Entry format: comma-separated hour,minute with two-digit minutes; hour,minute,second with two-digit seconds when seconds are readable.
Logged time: 8,27
